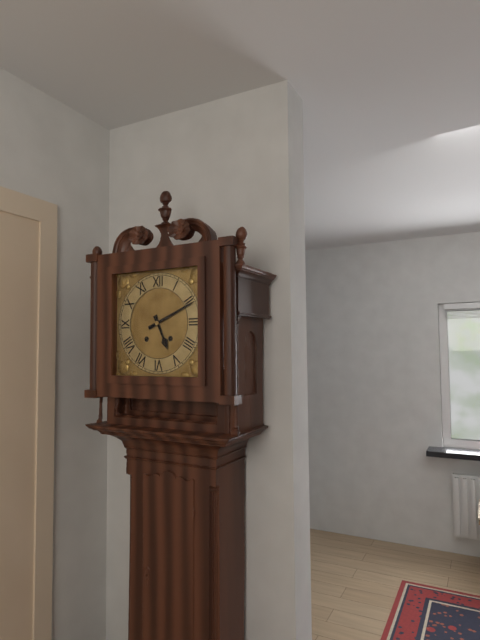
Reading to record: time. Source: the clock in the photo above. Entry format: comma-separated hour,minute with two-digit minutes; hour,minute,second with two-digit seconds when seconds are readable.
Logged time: 5,11
